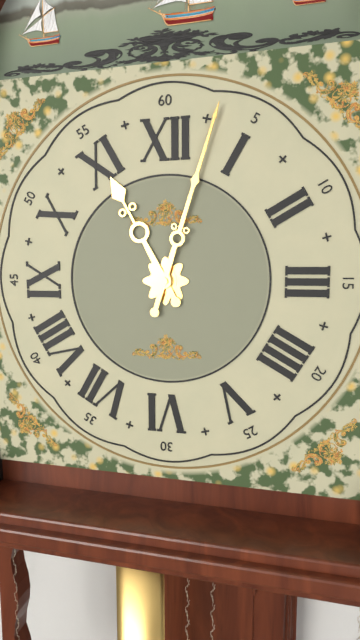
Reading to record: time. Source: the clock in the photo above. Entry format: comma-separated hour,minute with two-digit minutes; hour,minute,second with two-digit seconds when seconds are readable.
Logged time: 11,03
